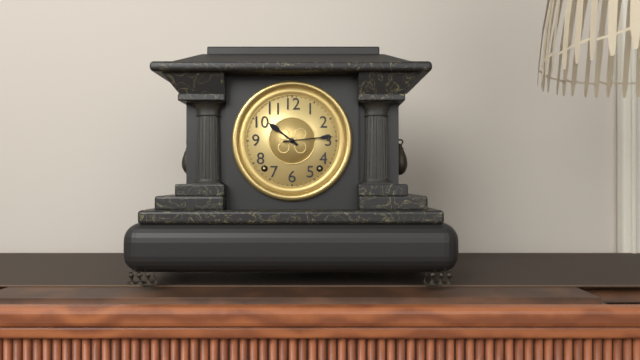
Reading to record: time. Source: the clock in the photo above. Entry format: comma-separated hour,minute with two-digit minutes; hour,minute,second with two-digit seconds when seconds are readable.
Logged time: 10,14
